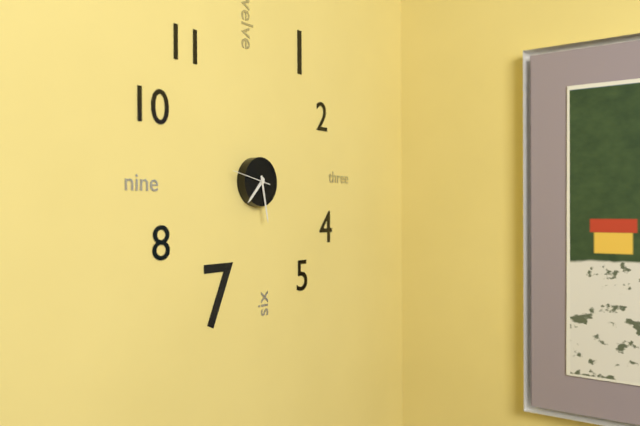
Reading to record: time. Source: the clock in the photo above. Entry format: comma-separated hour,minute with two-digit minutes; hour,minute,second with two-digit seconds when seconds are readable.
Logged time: 7,28
